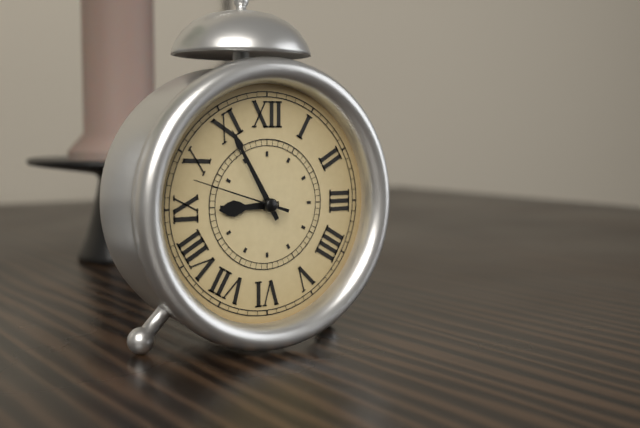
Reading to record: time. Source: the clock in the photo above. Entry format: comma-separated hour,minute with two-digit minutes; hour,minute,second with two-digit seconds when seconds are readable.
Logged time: 8,55,48
